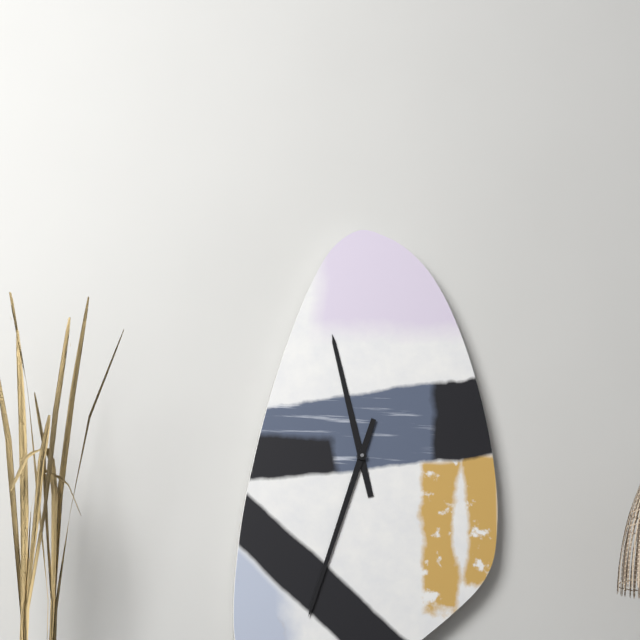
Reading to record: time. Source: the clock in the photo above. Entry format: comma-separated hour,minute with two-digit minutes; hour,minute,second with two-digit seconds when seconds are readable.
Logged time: 11,33
